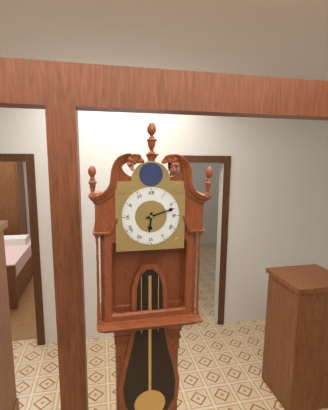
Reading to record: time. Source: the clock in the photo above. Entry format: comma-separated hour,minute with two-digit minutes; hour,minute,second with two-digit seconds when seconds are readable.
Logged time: 6,12
